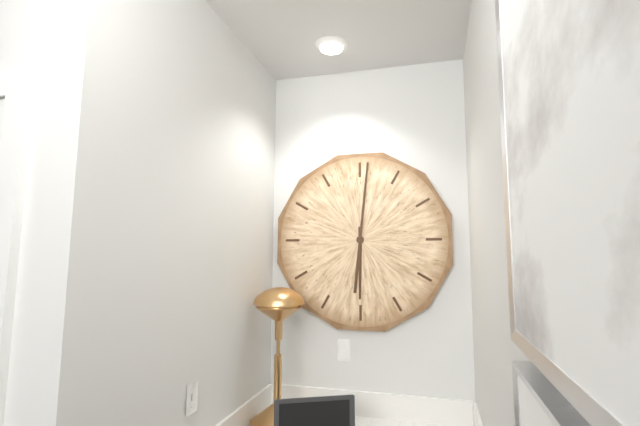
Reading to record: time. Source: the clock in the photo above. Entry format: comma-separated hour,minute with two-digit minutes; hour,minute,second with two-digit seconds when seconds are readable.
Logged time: 6,01
